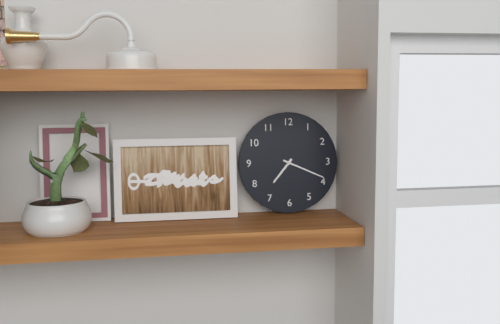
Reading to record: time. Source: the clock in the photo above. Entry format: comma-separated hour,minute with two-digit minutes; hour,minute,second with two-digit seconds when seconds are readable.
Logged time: 7,19
